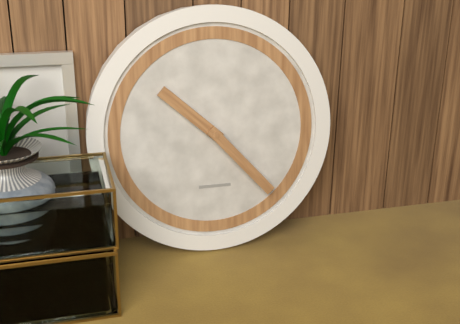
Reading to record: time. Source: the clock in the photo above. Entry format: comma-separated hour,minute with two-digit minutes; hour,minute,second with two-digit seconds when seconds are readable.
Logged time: 10,23
